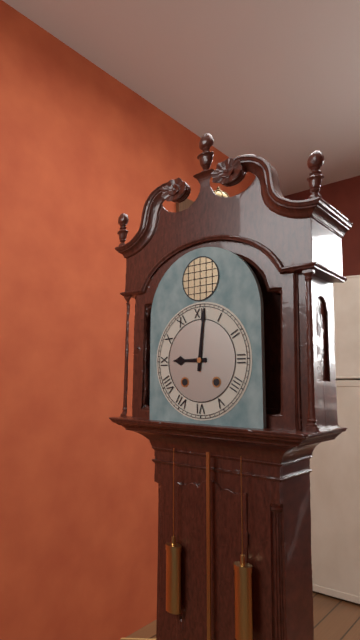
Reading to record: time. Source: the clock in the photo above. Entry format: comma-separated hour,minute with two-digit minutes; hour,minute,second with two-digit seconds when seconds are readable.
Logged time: 9,01
